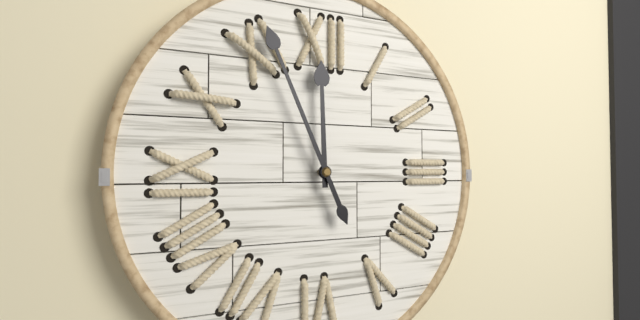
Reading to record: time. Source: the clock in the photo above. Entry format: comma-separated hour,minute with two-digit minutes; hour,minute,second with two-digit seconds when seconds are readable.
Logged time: 11,56
